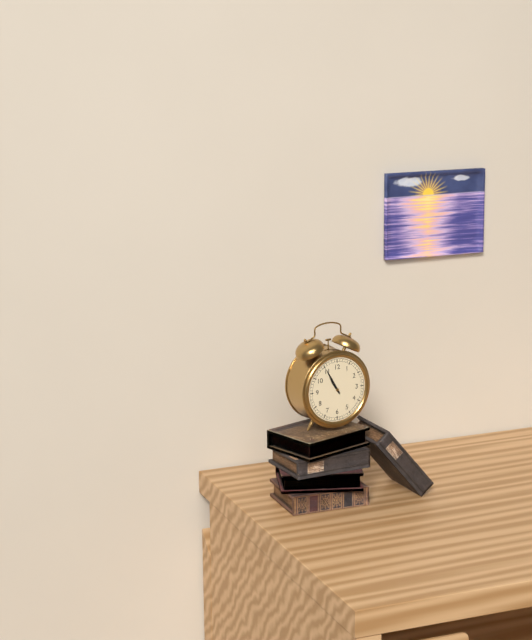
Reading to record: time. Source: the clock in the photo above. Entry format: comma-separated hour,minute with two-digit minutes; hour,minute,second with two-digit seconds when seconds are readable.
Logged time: 10,55
